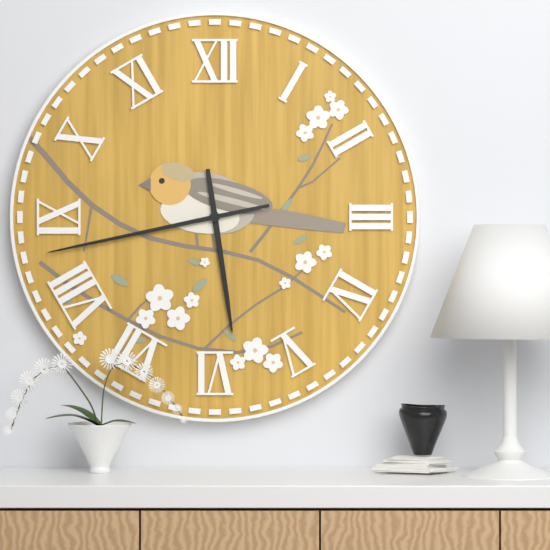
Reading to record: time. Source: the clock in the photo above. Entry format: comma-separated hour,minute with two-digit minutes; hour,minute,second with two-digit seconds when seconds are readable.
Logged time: 5,43
